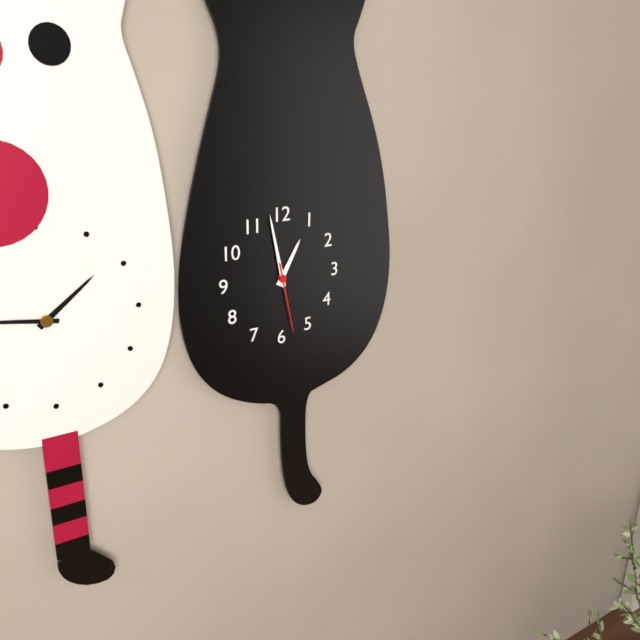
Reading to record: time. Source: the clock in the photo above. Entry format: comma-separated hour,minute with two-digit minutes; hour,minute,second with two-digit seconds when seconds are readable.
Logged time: 12,58,28
